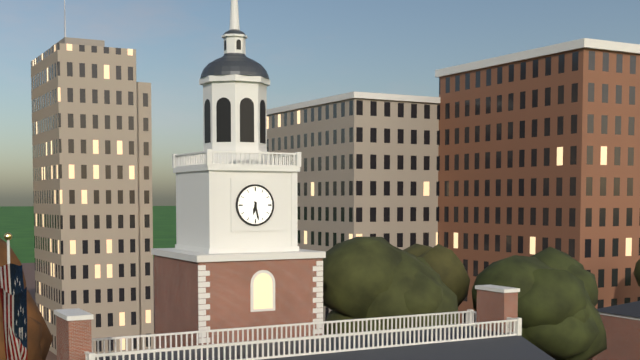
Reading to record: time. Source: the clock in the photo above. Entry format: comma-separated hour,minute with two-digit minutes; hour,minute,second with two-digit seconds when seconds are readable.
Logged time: 6,28
